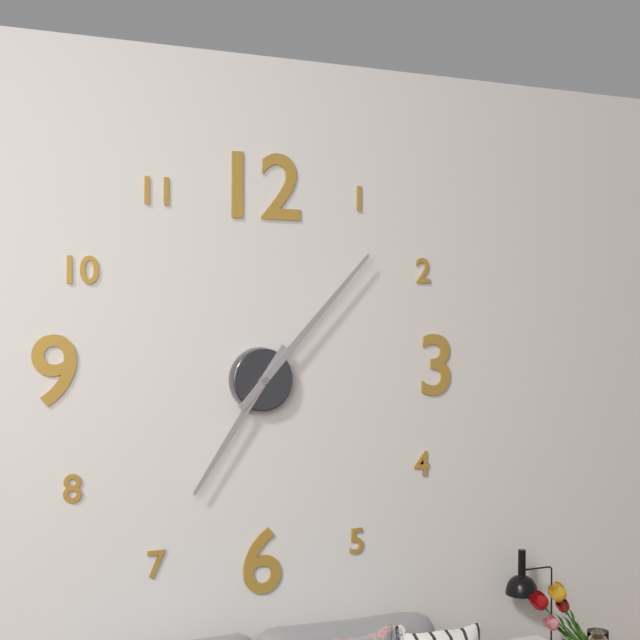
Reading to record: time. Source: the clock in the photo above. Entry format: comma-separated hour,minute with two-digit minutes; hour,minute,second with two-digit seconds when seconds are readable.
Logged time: 7,07
